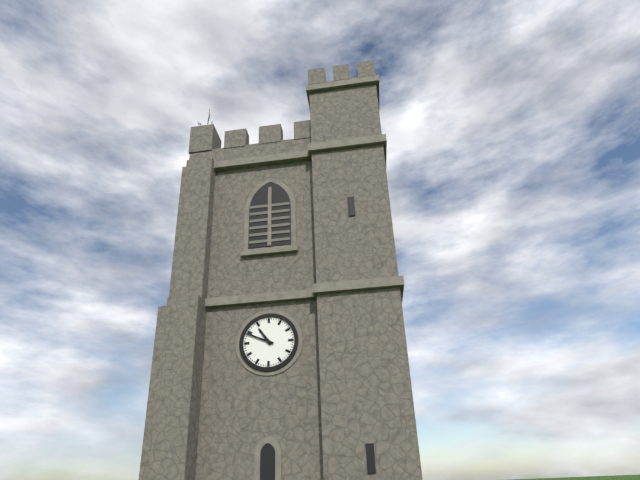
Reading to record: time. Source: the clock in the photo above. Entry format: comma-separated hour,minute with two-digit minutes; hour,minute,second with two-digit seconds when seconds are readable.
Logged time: 10,49
